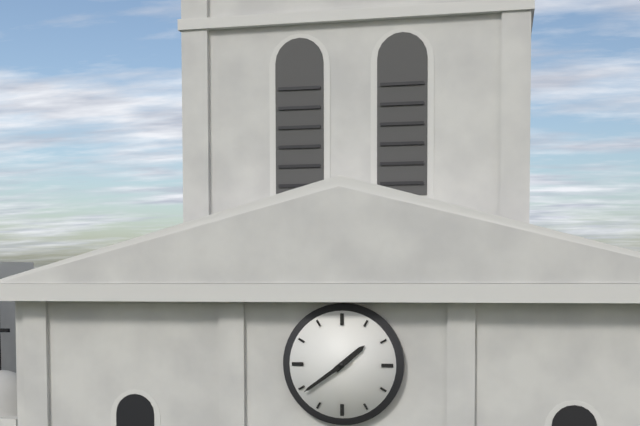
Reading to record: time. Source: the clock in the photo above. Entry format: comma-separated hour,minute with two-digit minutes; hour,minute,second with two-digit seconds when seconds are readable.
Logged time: 1,39
